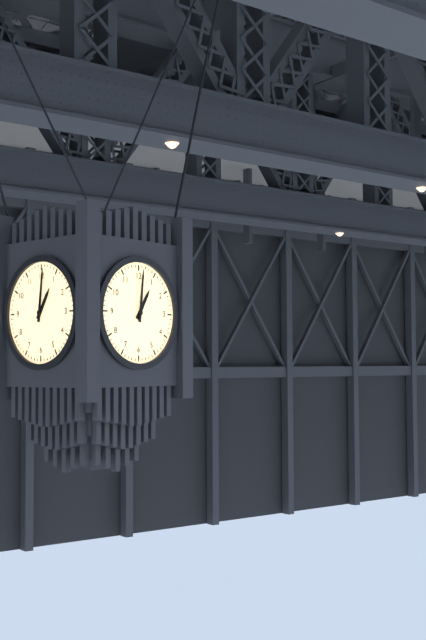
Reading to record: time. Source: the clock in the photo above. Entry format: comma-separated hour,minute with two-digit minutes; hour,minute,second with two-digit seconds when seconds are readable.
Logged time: 1,01
